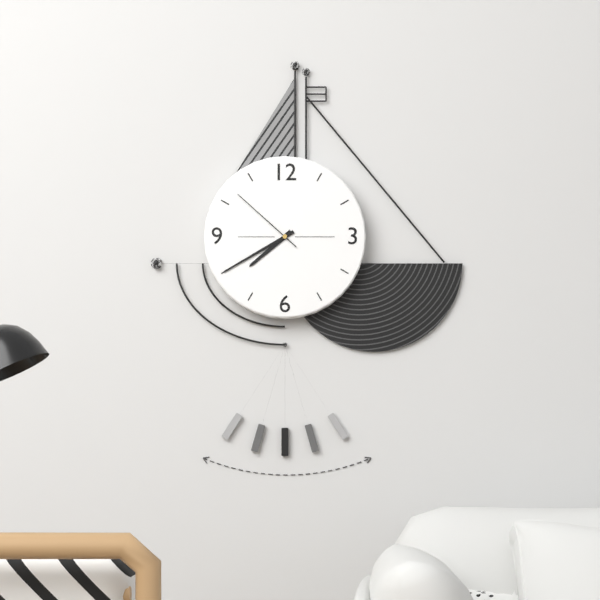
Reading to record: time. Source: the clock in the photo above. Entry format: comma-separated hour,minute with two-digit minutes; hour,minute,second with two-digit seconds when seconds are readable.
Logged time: 7,40,52
